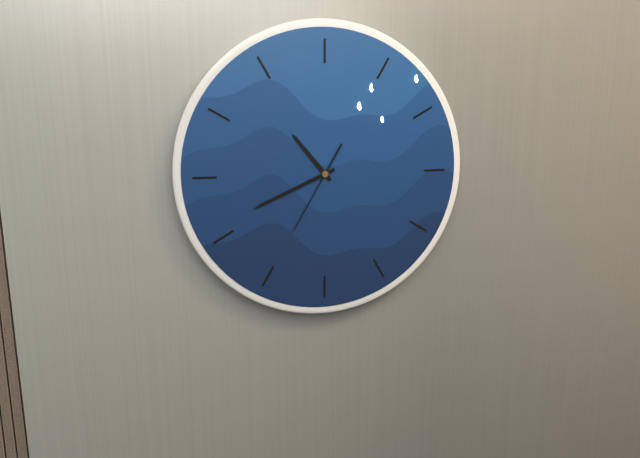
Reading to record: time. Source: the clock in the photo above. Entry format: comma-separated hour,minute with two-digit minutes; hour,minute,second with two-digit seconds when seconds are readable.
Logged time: 10,41,35
